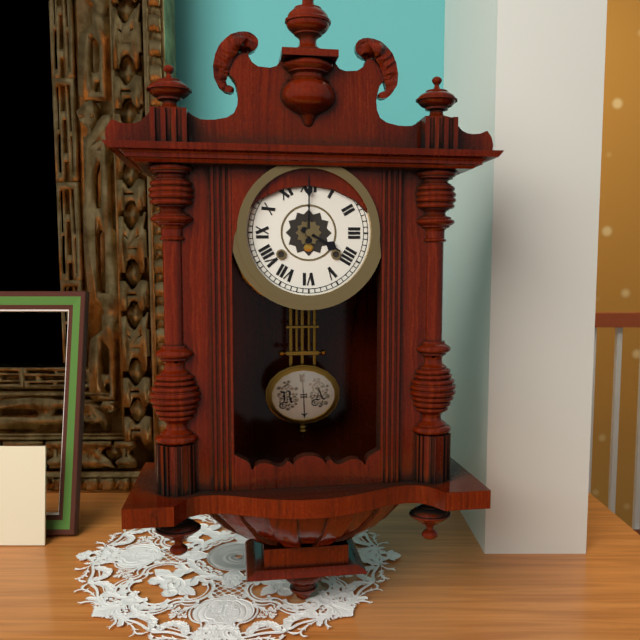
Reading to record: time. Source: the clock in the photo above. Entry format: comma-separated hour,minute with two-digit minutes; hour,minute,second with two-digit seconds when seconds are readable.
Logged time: 4,00
